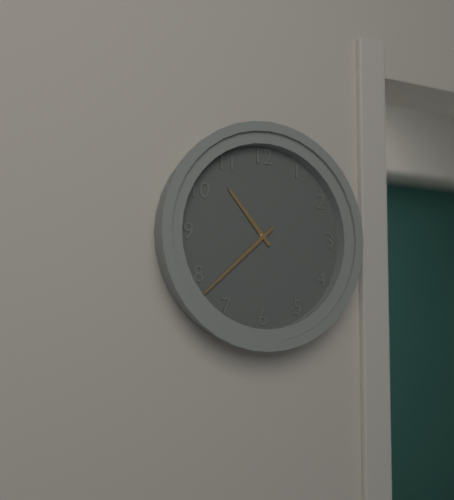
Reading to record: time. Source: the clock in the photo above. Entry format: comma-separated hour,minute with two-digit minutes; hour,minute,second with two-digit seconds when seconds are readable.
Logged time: 10,38
